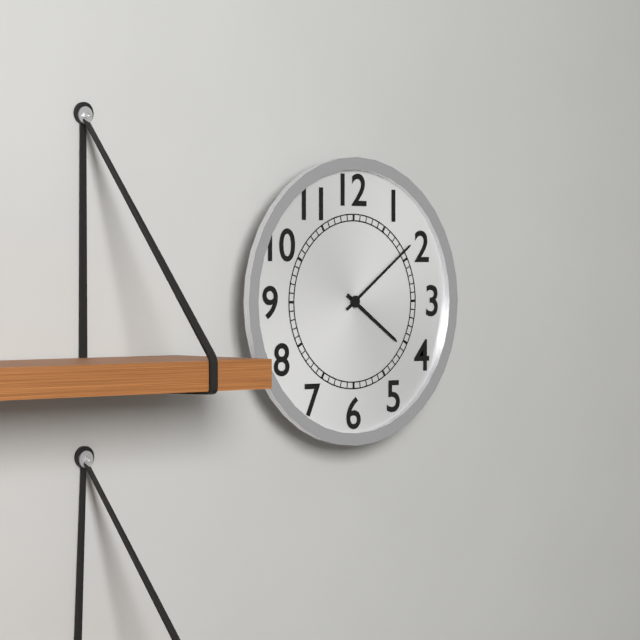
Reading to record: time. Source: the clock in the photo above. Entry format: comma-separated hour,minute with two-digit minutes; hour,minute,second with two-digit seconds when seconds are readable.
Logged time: 4,09
